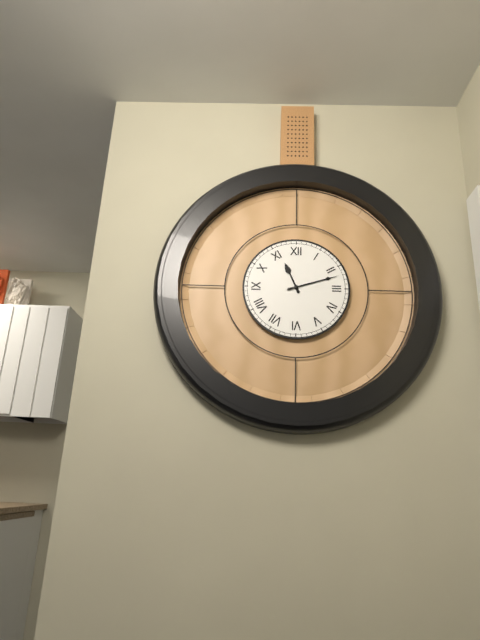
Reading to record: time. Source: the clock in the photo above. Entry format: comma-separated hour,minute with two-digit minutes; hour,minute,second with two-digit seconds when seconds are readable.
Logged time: 11,12
